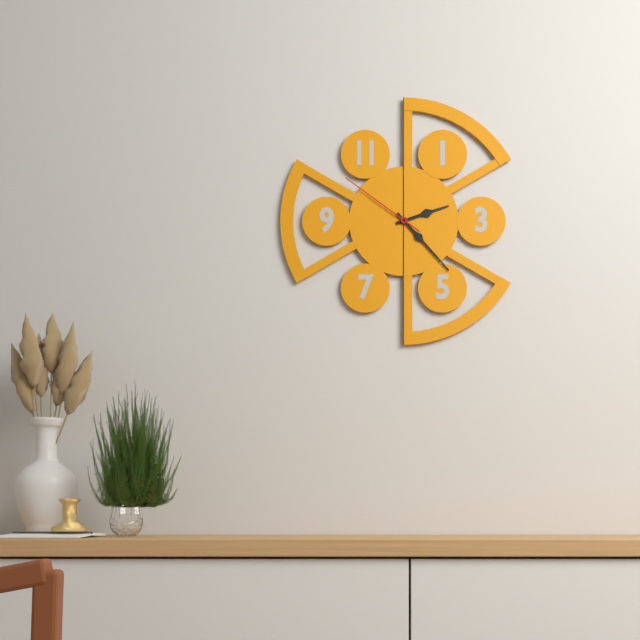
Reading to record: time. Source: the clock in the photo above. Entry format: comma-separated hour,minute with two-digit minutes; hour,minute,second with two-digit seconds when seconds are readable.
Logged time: 2,23,51
